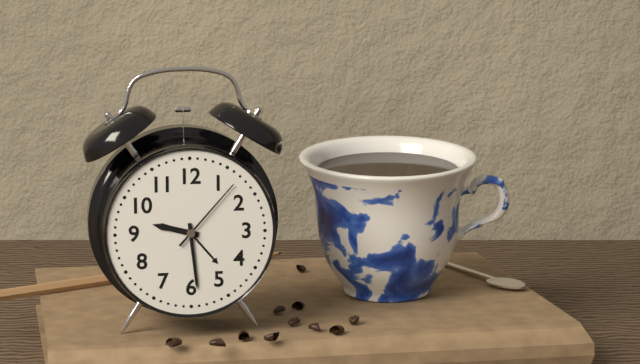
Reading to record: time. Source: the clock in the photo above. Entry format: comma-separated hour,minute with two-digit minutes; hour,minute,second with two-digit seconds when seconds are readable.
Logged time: 9,29,07
